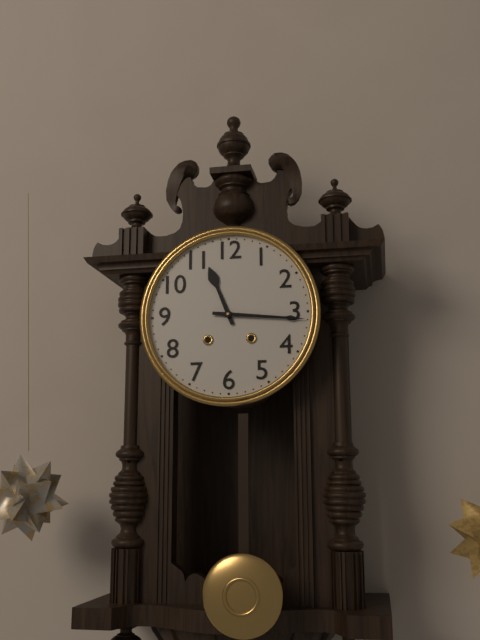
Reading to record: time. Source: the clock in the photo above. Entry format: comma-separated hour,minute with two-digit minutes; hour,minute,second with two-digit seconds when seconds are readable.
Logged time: 11,16
